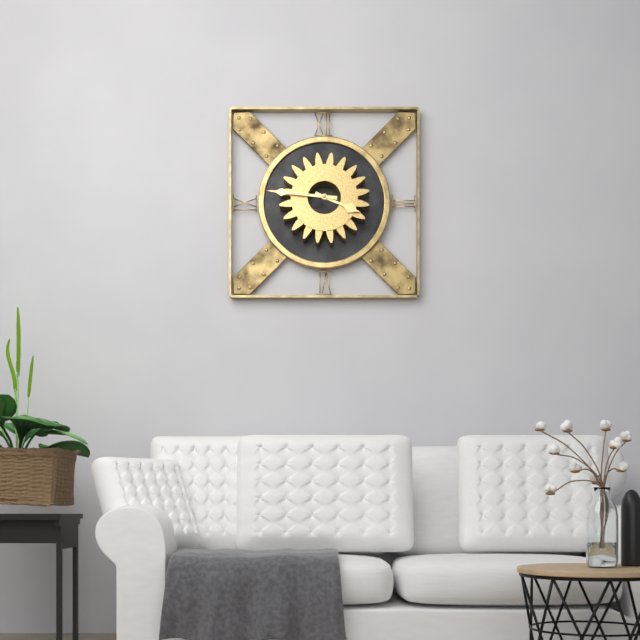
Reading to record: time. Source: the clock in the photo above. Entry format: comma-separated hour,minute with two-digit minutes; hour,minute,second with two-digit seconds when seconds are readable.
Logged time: 3,46
